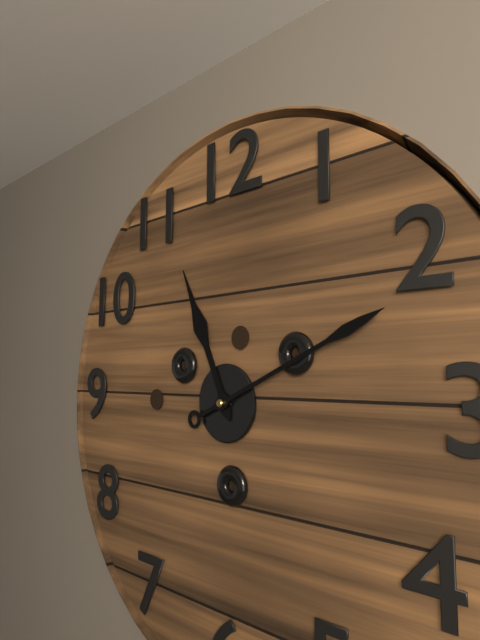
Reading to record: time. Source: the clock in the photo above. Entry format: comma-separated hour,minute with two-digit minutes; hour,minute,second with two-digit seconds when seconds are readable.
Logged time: 11,11
